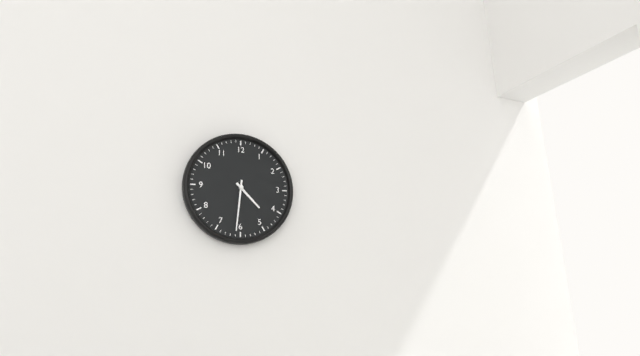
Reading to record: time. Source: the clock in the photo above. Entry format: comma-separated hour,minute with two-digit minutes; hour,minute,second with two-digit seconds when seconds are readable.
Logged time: 4,31
